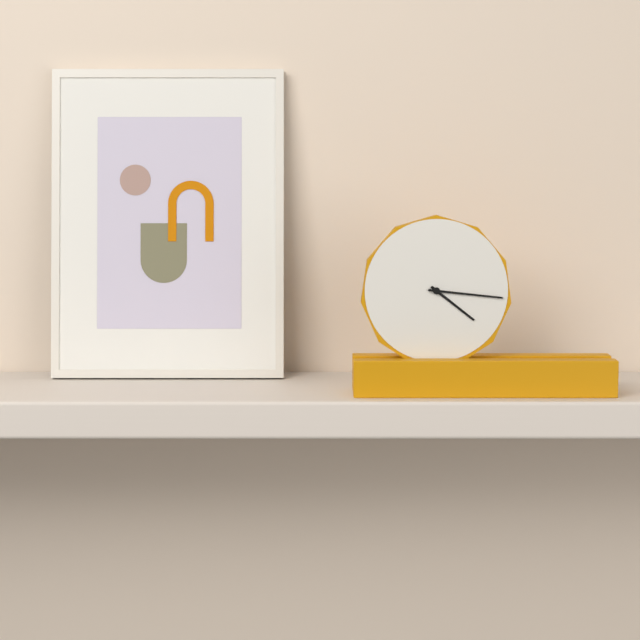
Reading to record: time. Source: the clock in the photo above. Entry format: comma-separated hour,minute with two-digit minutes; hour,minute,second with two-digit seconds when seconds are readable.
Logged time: 4,16
